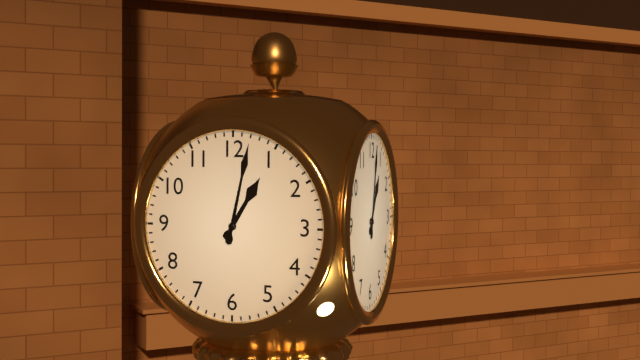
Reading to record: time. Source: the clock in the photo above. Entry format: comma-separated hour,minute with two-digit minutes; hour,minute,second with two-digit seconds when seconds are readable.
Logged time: 1,02
